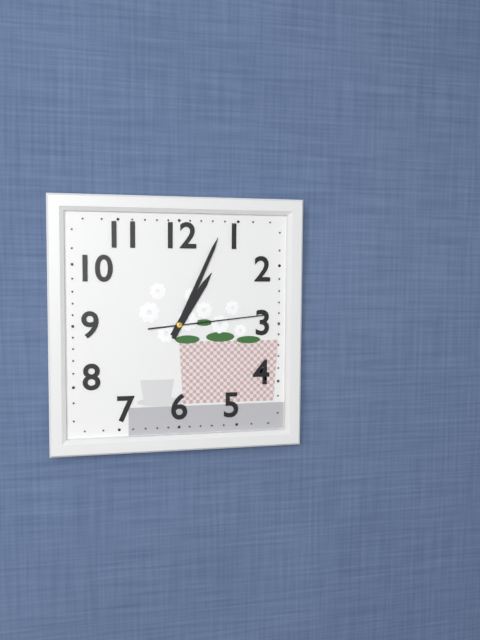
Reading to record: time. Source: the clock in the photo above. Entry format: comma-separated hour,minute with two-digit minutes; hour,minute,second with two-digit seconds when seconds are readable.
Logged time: 1,04,14
